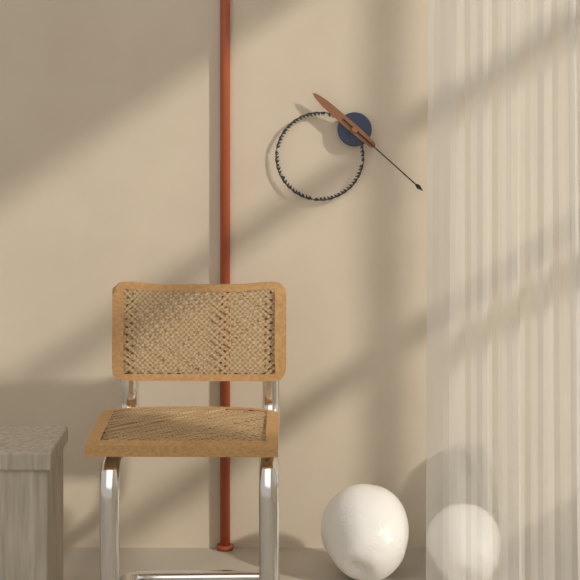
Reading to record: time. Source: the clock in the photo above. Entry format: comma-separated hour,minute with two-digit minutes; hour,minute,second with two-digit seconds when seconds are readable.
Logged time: 10,22
